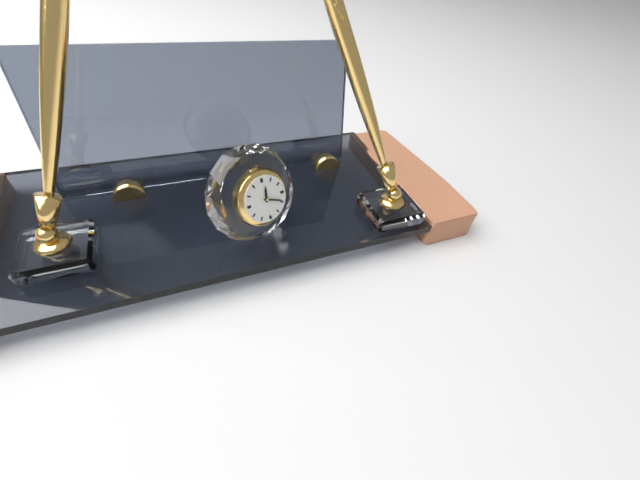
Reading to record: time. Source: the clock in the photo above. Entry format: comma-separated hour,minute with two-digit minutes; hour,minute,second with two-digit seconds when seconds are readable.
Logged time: 12,19
